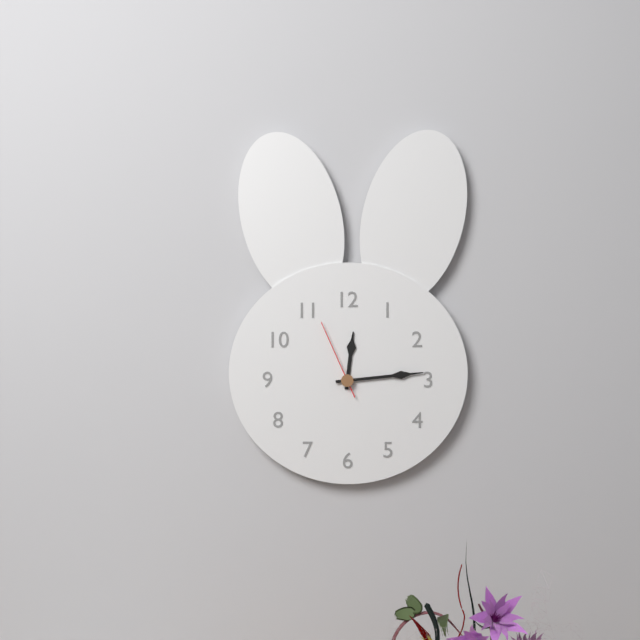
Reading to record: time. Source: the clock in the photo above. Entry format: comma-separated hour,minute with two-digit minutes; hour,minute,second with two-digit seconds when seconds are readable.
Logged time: 12,14,56
